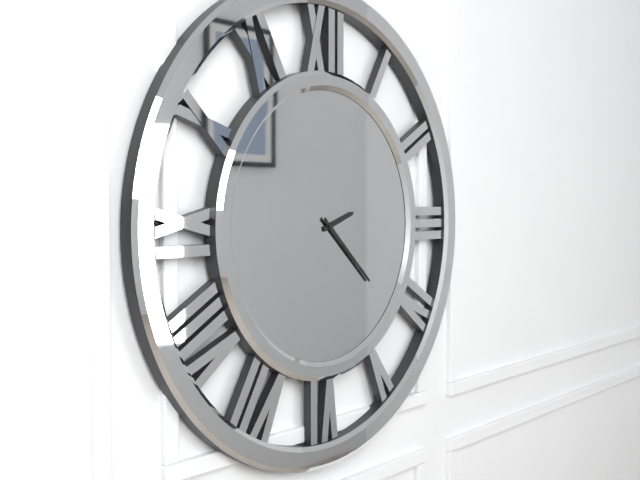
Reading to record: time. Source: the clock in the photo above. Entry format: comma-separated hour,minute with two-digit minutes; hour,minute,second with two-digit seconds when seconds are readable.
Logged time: 2,22
